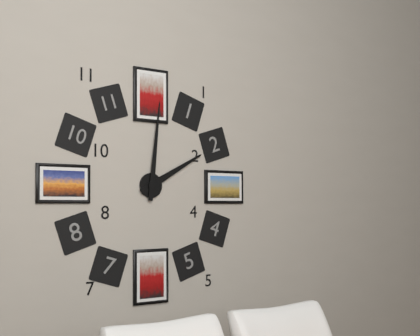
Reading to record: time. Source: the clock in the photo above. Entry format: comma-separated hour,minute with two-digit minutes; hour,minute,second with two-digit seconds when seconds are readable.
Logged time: 2,01
